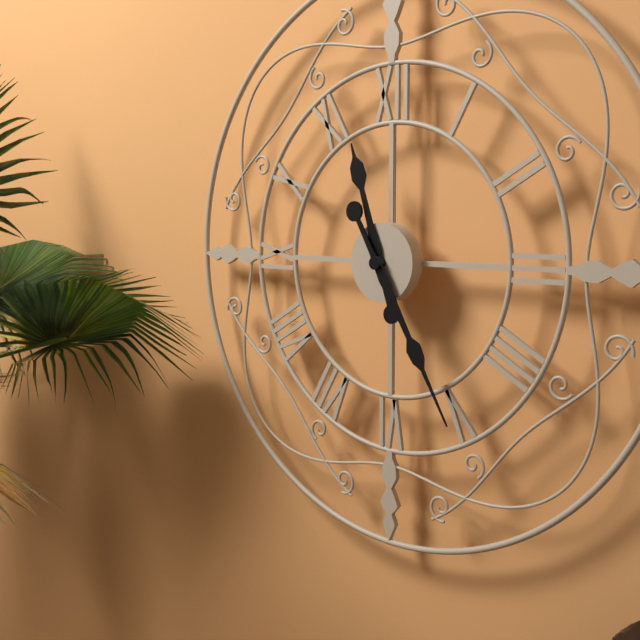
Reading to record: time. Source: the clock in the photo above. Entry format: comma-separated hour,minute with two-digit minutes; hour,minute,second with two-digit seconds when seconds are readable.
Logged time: 11,25
